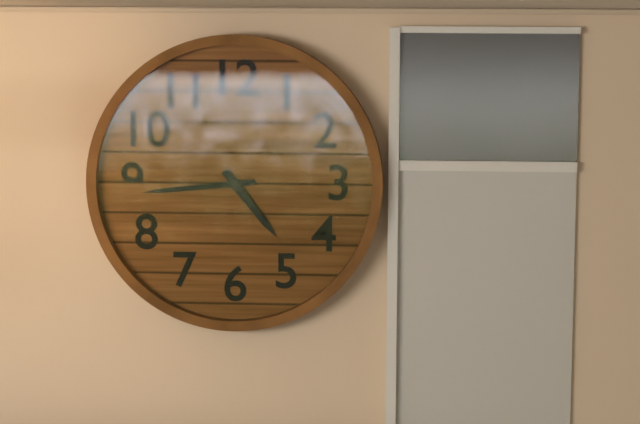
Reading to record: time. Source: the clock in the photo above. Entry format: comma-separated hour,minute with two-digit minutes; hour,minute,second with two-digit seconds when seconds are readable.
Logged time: 4,44
